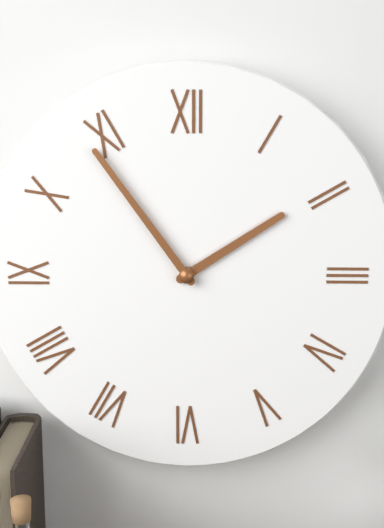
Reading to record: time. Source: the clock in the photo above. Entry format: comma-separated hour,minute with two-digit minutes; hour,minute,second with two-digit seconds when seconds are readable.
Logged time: 1,54
